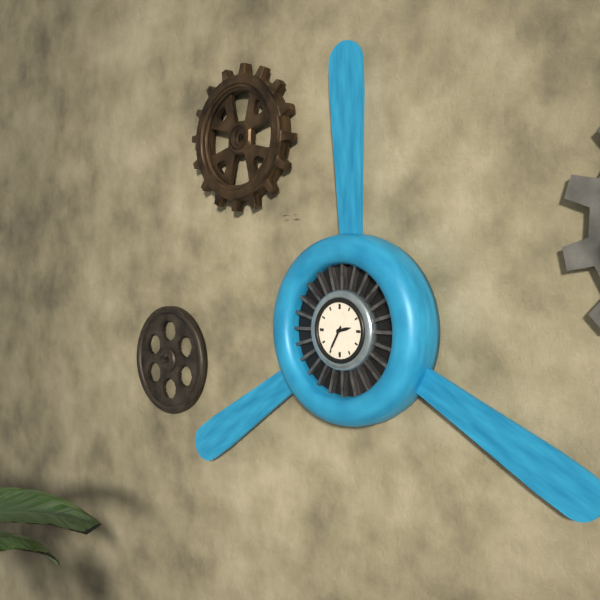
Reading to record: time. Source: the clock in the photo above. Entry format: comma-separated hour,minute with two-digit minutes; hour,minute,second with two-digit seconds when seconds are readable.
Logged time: 2,35
